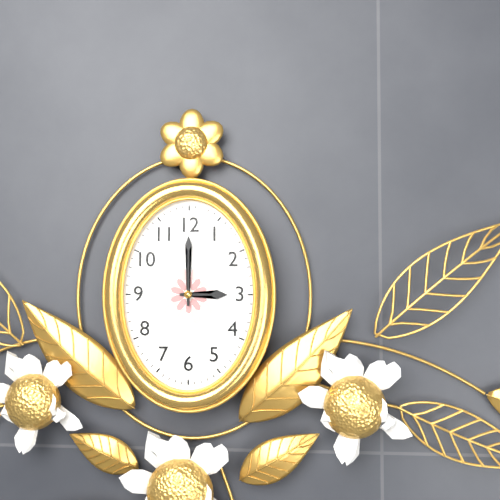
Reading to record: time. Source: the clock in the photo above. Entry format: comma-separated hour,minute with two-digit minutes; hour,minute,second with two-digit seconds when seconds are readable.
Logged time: 3,00
